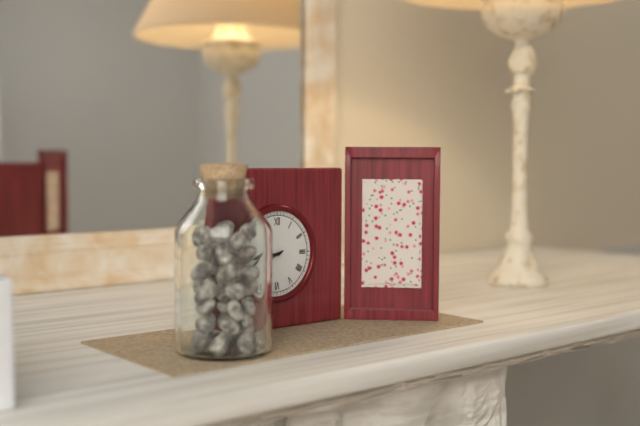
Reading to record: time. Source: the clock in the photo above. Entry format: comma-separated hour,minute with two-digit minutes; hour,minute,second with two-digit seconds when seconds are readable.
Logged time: 8,41
